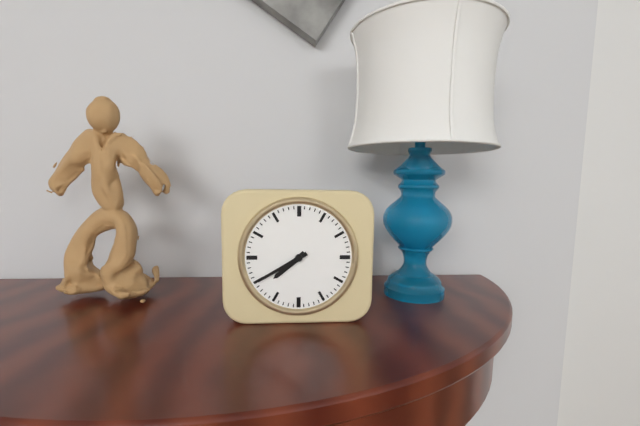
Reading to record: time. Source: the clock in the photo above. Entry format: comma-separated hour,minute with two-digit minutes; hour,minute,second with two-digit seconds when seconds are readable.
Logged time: 7,40
